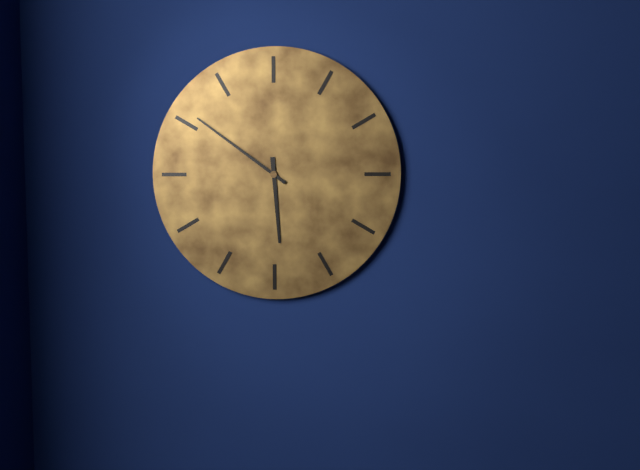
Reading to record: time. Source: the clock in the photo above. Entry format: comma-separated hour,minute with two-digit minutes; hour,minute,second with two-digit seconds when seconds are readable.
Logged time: 5,51
